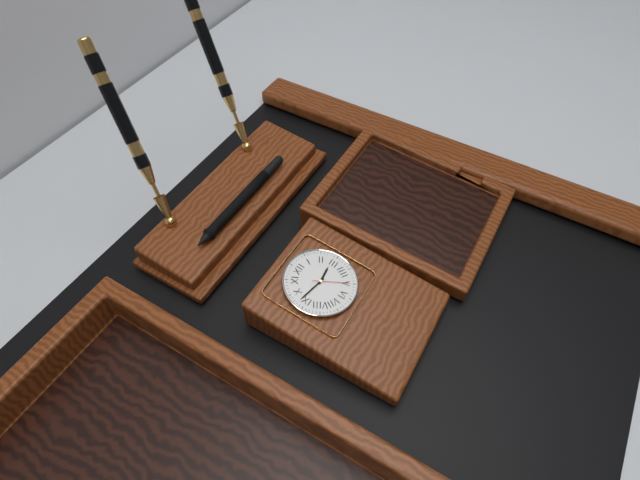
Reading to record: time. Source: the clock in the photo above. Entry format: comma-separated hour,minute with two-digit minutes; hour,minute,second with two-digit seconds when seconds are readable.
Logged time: 2,47
